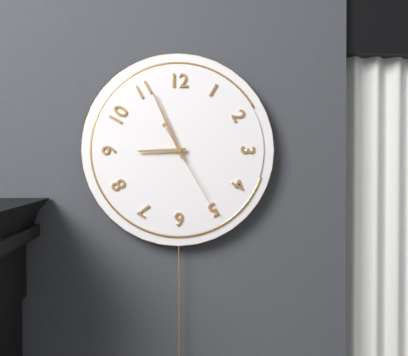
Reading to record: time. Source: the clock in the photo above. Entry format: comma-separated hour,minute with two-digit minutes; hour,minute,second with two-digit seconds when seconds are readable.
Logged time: 8,56,25
